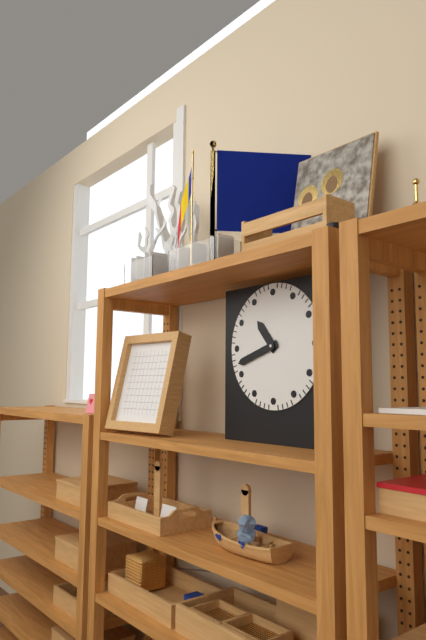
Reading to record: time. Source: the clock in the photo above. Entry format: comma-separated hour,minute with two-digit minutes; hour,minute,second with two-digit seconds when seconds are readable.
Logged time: 10,42
